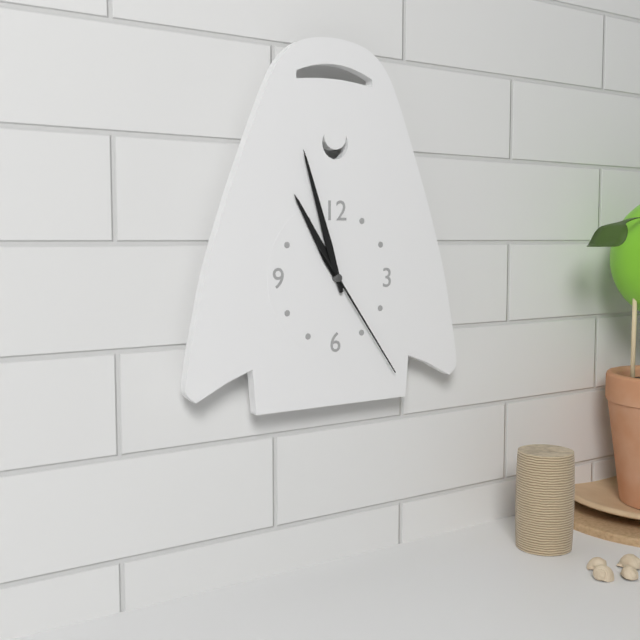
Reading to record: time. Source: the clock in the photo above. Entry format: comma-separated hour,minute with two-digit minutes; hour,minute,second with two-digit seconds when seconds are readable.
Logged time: 10,57,24
